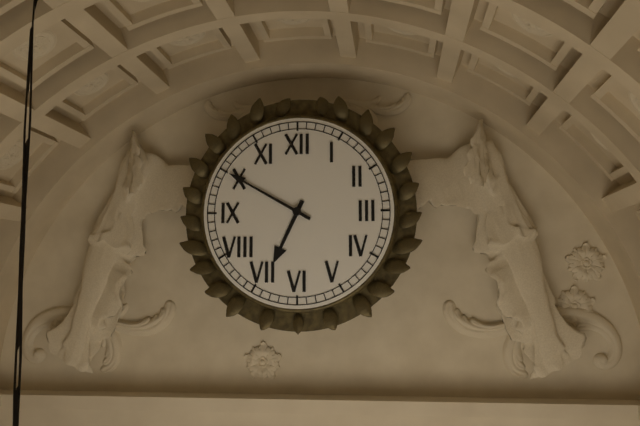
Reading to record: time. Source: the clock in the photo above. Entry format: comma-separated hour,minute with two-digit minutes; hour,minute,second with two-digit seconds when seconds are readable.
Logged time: 6,50
